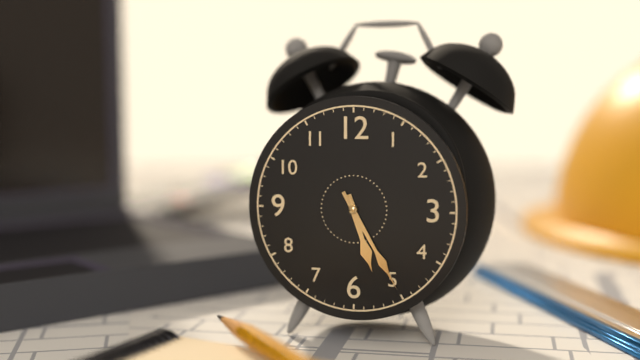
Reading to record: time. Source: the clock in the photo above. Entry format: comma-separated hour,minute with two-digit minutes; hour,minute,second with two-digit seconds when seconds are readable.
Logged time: 5,25
